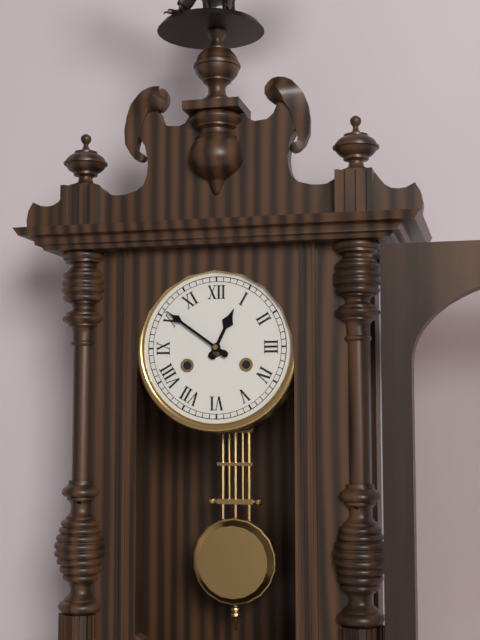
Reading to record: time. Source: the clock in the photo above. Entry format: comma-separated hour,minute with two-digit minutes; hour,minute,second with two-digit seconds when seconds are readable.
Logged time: 12,51
